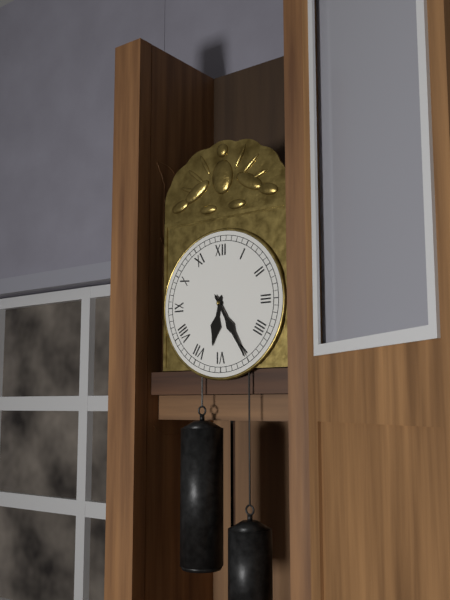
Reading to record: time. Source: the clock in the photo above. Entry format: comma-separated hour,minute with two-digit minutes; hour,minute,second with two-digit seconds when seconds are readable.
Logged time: 6,25
